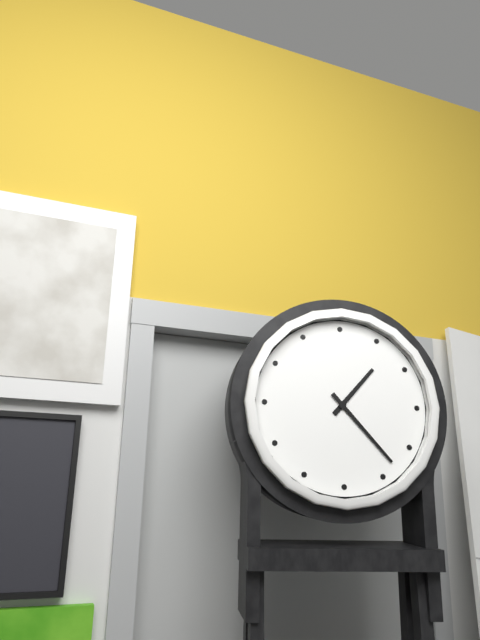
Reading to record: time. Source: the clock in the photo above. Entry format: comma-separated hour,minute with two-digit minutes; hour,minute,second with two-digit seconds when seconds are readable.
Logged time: 1,23
